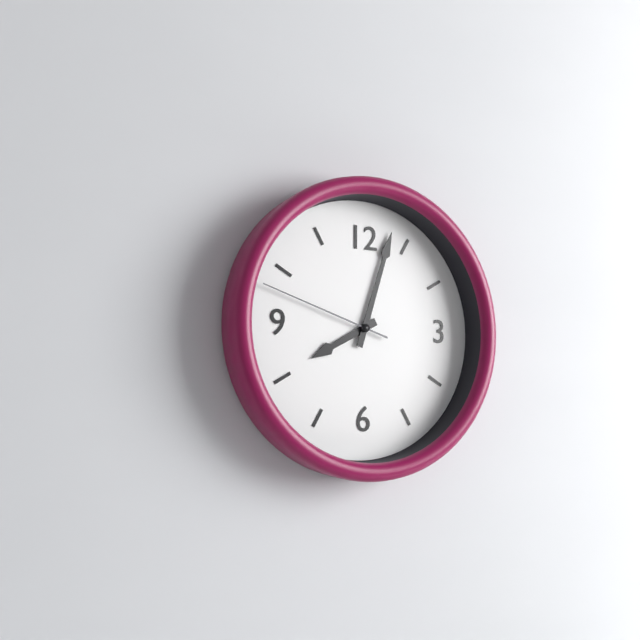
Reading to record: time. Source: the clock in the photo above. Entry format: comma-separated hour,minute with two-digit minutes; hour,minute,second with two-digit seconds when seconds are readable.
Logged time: 8,03,48
